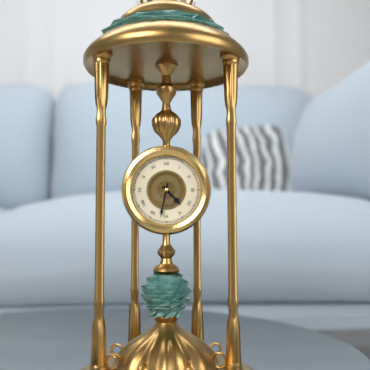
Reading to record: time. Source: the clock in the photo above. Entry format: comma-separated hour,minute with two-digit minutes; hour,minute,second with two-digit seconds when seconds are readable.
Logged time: 4,32
